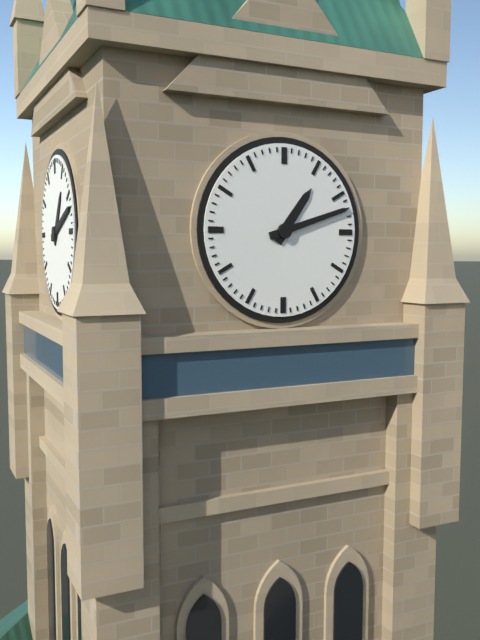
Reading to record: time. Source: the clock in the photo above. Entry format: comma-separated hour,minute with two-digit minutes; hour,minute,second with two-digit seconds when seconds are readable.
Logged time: 1,12
